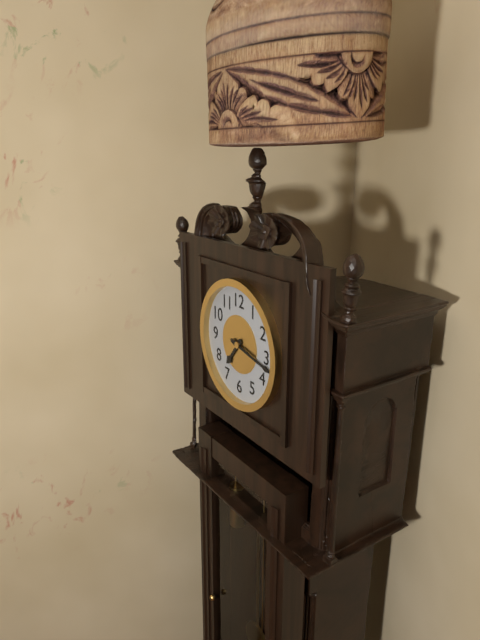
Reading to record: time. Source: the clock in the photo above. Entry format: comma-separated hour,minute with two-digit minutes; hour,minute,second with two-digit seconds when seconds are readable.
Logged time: 7,17
